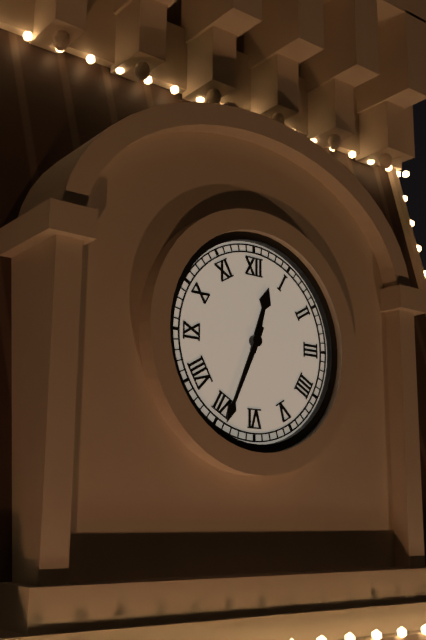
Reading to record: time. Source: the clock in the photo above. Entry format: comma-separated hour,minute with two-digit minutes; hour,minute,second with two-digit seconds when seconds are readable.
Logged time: 12,34
